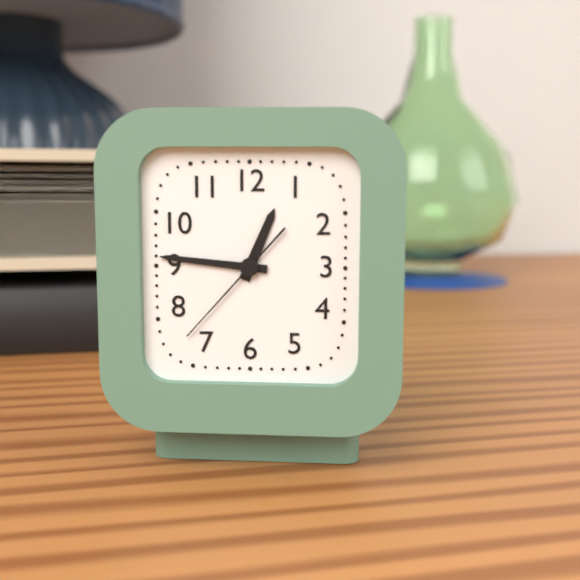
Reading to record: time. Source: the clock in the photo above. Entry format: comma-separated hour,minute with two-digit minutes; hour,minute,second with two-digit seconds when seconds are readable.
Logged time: 12,46,37
